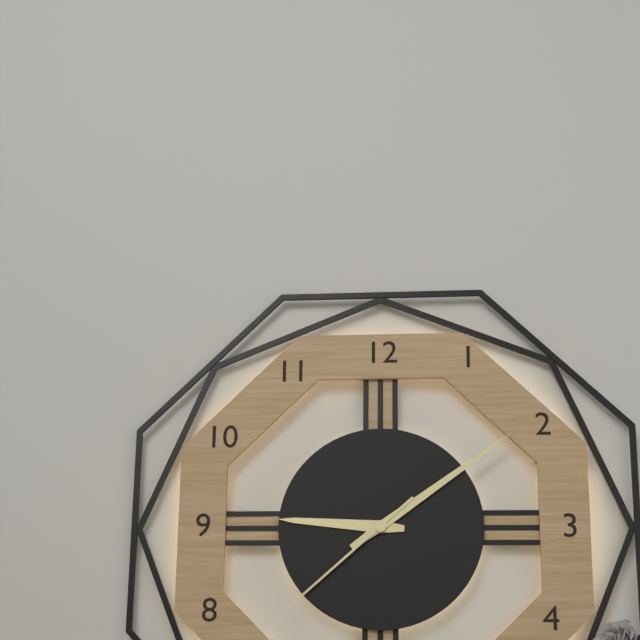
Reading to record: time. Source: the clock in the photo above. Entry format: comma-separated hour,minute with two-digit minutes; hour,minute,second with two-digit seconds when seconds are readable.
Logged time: 9,09,38
